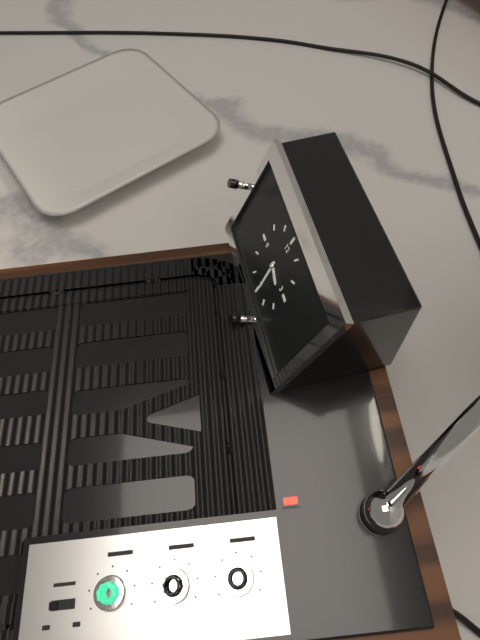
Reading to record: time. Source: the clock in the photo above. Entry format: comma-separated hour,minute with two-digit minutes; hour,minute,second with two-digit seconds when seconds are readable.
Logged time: 3,29
